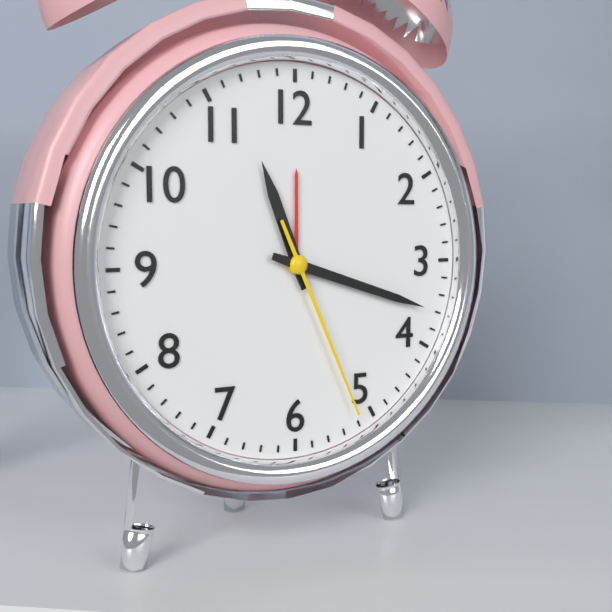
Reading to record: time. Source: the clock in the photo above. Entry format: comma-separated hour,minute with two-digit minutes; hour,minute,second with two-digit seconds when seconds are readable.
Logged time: 11,18,26
